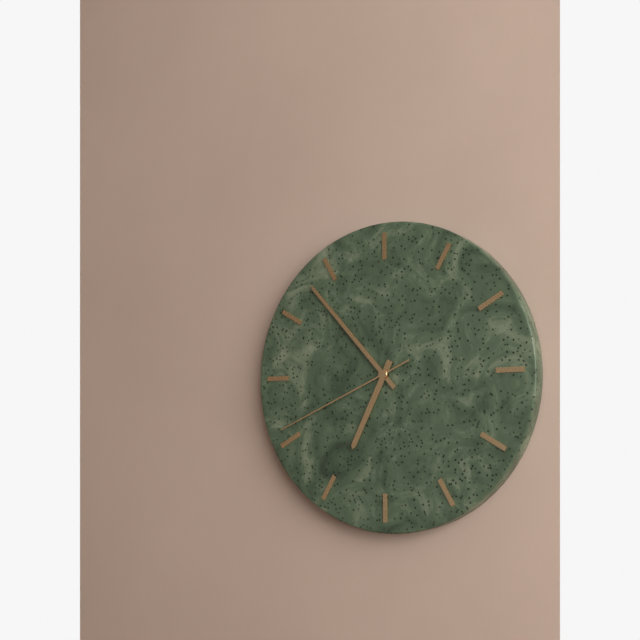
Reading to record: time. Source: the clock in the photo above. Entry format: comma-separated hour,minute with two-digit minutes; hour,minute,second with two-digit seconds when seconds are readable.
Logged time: 6,53,41
